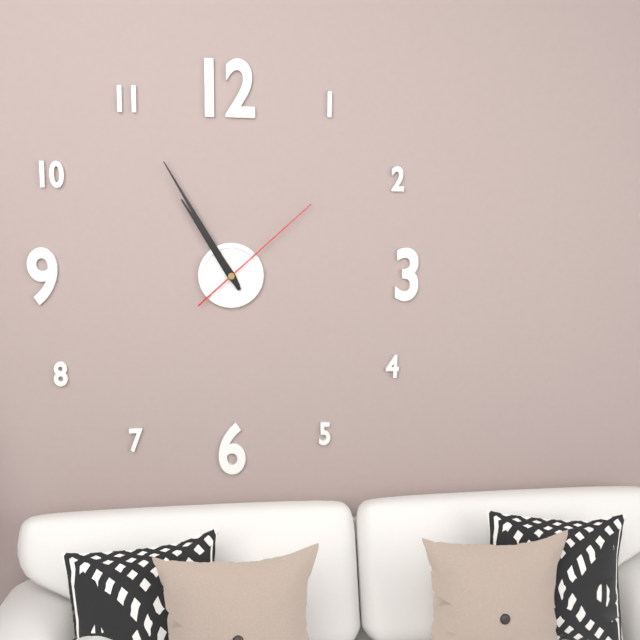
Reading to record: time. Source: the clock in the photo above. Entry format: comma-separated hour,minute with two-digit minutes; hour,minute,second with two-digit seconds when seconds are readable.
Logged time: 10,55,08
